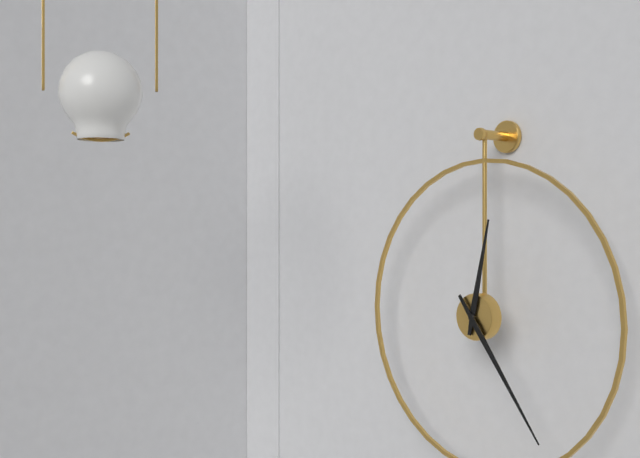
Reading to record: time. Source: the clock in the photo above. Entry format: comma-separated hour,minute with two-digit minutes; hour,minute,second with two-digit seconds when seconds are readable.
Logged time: 12,24
